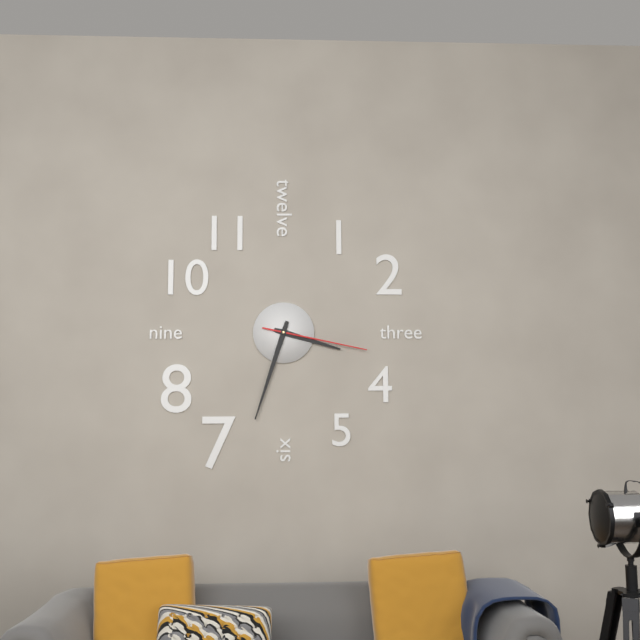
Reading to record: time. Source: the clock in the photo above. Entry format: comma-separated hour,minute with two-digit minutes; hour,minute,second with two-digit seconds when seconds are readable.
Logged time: 3,33,17
